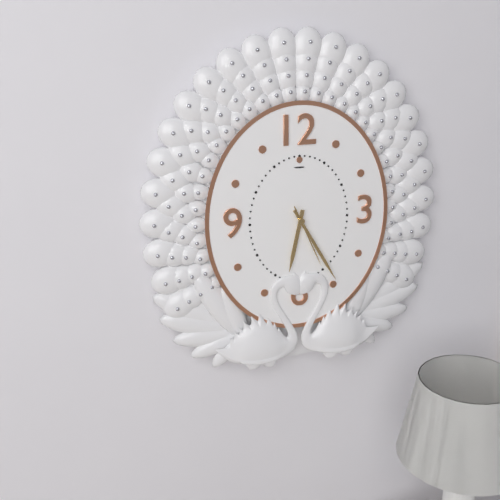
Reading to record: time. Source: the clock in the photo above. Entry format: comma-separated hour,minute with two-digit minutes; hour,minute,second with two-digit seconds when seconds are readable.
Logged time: 6,25,26
